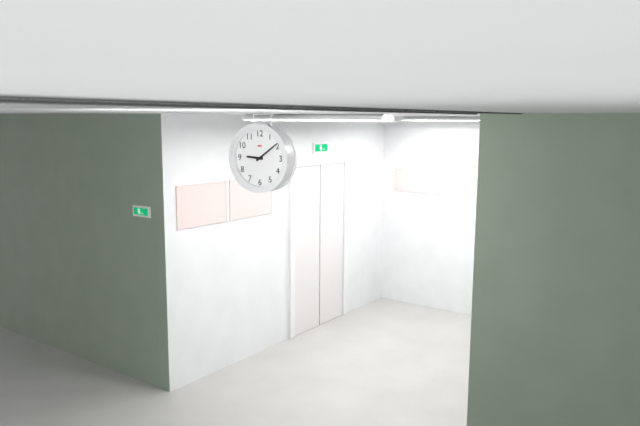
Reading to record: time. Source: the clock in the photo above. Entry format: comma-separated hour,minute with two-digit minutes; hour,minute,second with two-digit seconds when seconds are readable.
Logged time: 9,09
